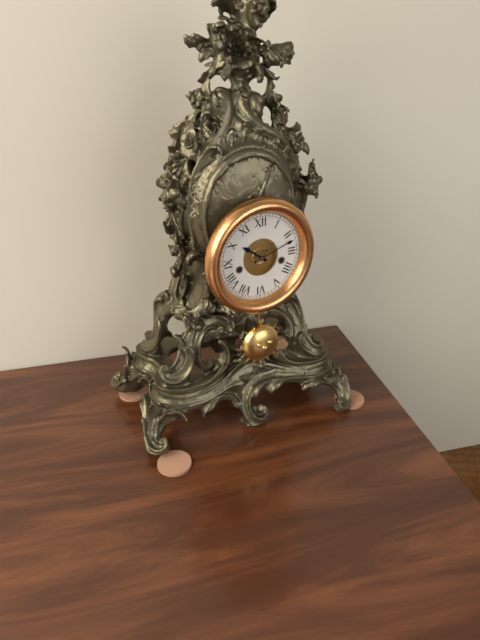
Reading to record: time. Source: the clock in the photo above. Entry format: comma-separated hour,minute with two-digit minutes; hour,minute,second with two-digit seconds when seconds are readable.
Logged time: 10,12
